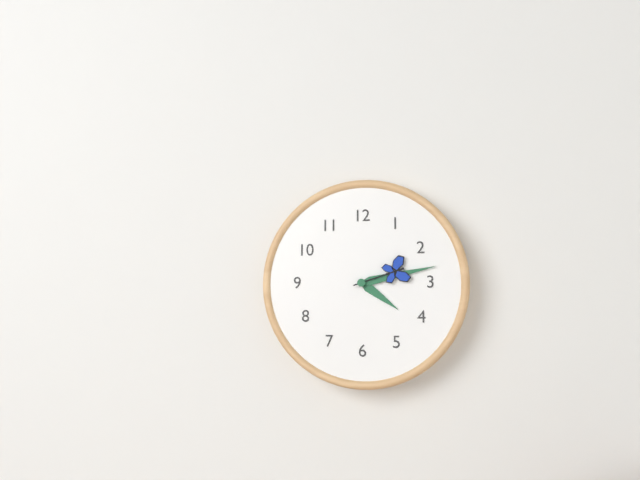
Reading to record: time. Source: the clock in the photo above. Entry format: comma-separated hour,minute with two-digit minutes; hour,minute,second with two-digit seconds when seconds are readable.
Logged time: 4,13,12
